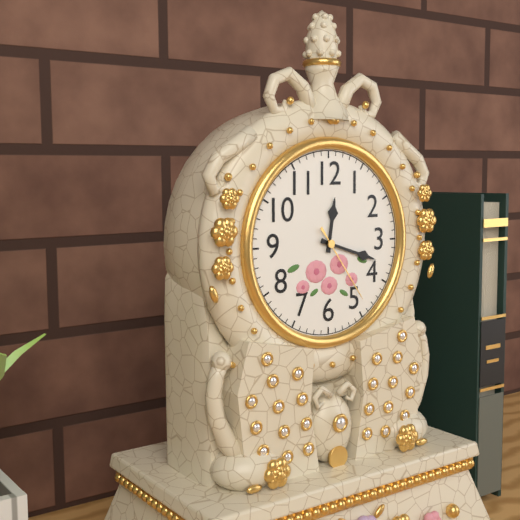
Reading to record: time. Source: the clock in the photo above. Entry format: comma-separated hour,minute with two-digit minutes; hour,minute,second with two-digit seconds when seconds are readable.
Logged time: 12,18,24
